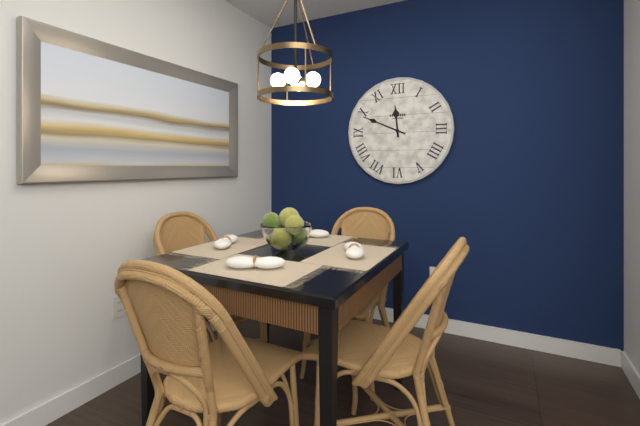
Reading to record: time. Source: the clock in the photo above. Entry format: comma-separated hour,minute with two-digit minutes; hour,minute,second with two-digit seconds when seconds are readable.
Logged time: 11,49
